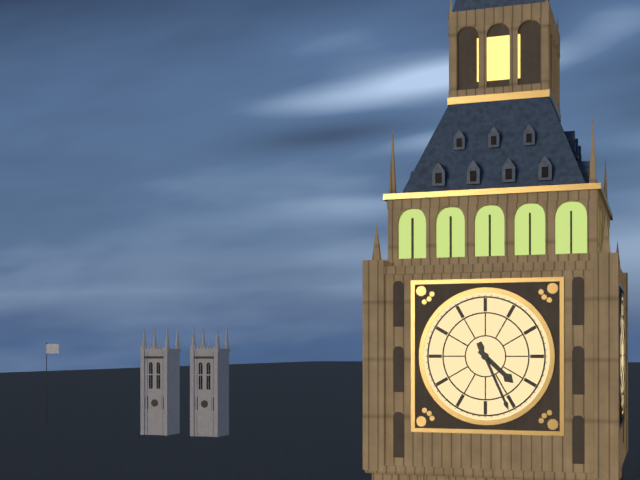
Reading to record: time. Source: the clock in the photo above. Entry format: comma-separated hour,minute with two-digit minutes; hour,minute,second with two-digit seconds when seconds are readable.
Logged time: 4,26
